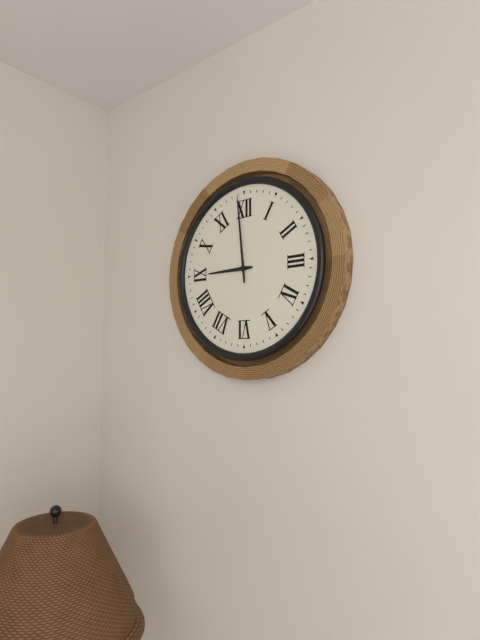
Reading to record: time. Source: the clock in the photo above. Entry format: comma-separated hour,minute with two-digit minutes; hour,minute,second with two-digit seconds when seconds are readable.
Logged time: 8,59
